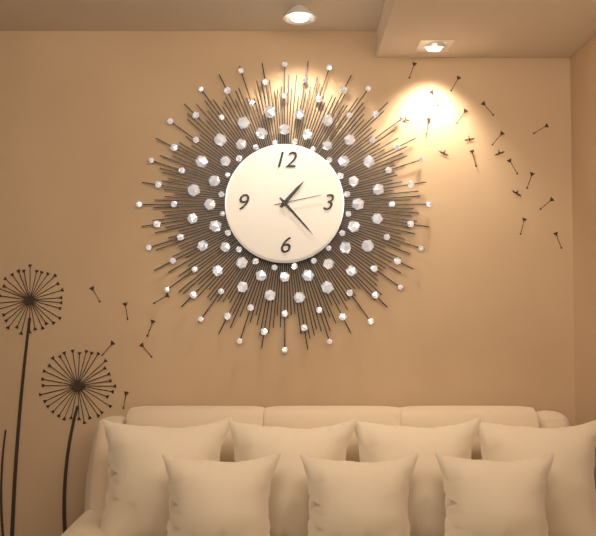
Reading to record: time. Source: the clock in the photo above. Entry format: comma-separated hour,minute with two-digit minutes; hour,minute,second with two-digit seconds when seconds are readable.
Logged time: 1,23
